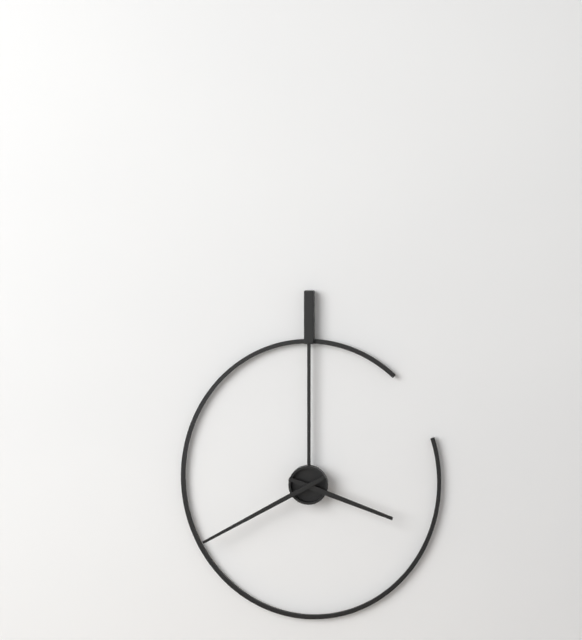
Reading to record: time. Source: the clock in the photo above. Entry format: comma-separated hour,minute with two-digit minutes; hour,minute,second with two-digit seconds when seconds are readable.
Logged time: 3,40
